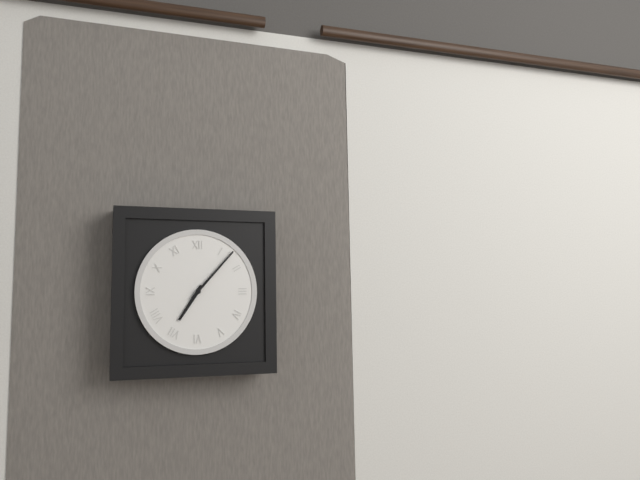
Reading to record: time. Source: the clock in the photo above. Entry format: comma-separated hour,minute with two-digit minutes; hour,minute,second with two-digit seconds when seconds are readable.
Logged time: 7,07
